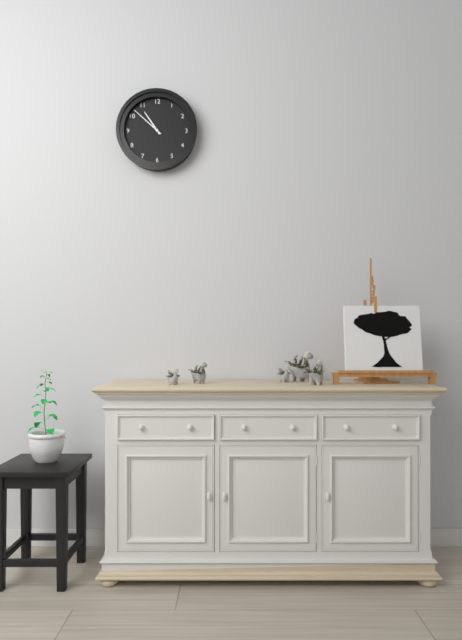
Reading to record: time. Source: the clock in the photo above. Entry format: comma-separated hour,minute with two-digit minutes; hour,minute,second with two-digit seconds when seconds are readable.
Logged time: 10,52
